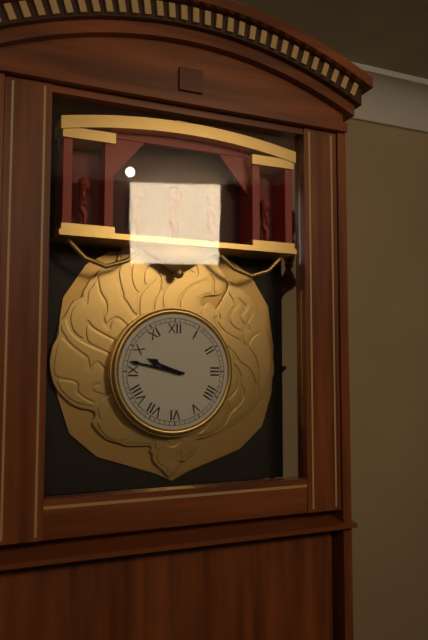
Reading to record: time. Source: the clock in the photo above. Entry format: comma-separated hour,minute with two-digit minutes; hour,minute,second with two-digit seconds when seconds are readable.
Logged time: 9,47
